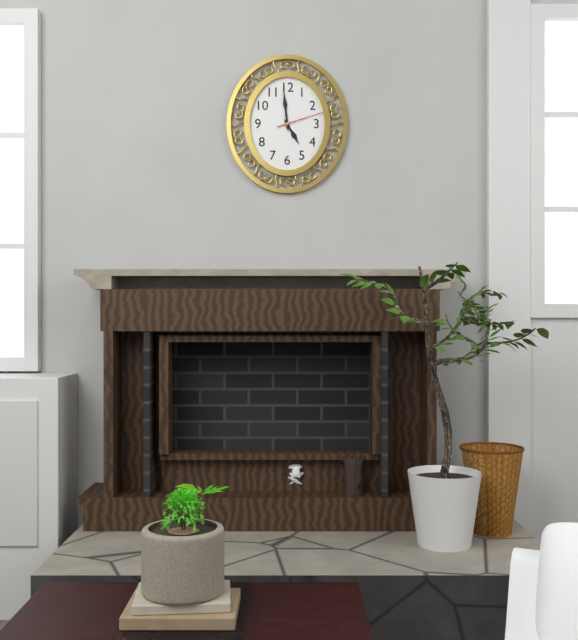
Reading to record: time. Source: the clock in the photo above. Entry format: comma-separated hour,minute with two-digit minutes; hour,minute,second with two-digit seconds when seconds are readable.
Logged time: 4,59,12
